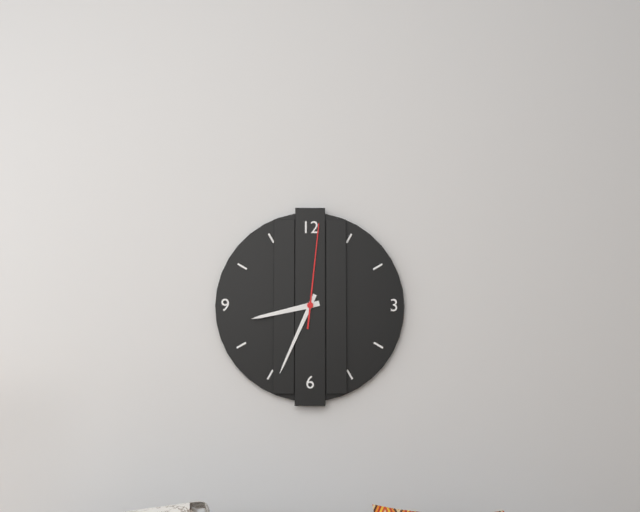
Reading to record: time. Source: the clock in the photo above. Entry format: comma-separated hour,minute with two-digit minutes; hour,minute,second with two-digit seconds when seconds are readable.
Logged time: 8,34,01
